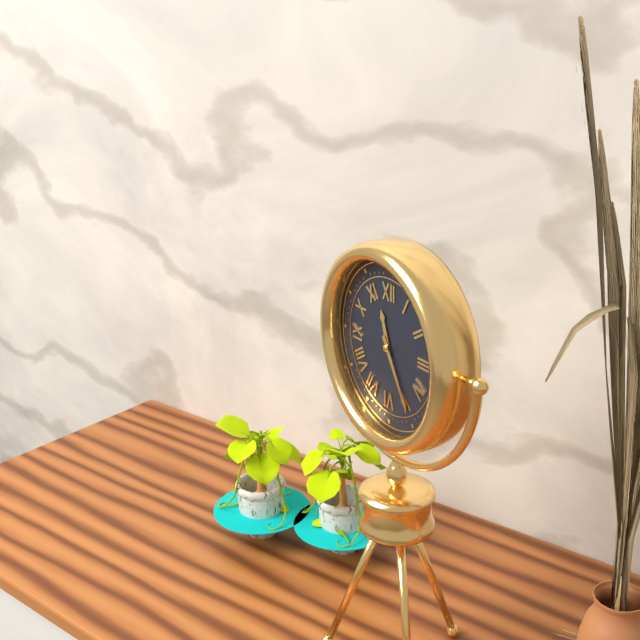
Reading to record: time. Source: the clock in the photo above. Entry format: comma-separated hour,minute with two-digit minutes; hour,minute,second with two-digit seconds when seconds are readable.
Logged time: 11,25
